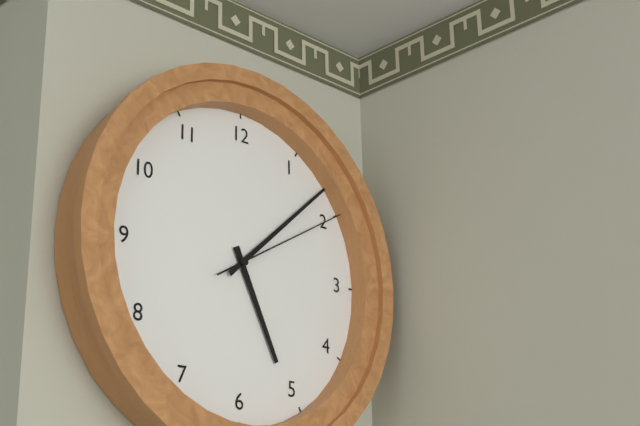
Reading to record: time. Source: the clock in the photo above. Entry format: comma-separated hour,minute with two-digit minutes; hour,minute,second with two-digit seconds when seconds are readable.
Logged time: 5,08,10
